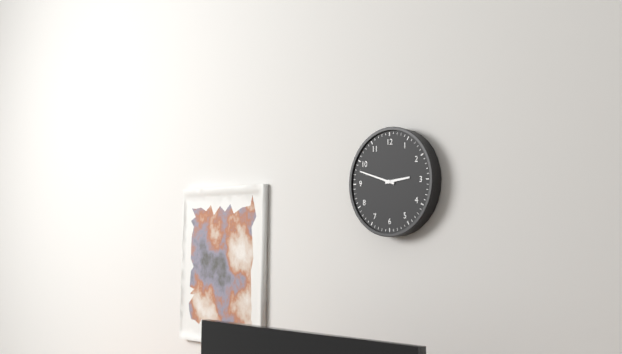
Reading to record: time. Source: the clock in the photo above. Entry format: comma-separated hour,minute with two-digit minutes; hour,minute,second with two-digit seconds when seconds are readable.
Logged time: 2,48
